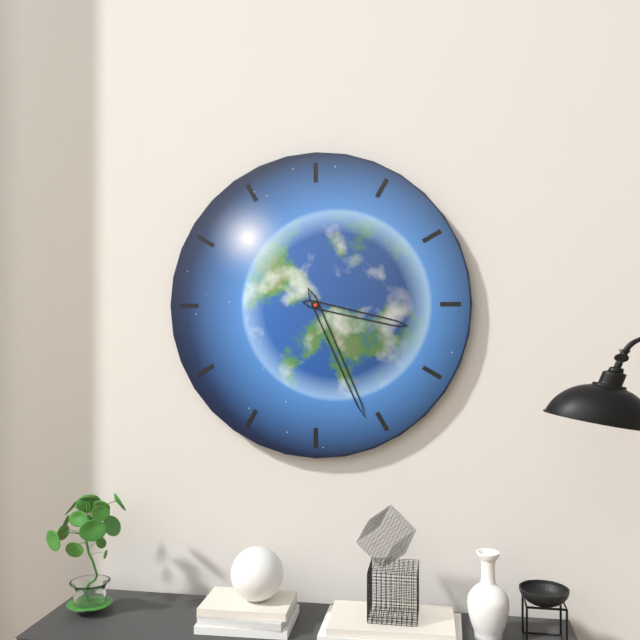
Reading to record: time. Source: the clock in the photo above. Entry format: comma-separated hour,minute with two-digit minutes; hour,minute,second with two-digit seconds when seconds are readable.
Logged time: 3,26
